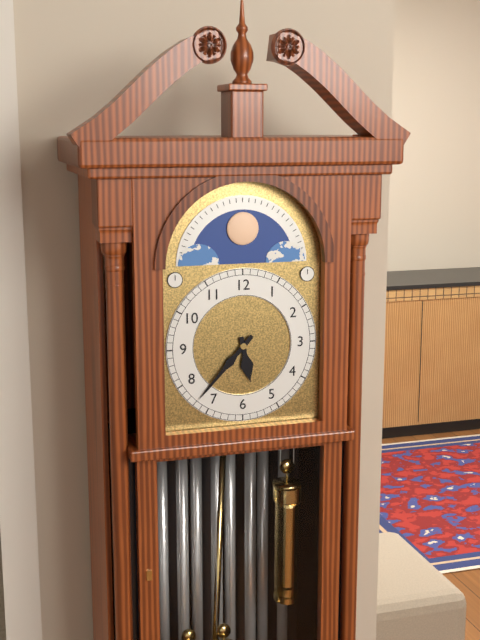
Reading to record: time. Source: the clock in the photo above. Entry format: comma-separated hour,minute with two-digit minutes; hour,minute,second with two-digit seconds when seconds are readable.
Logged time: 5,37
